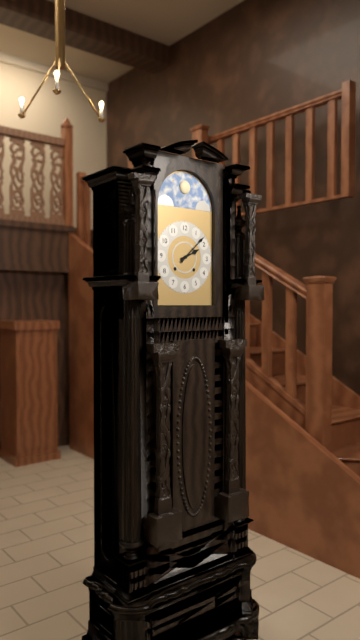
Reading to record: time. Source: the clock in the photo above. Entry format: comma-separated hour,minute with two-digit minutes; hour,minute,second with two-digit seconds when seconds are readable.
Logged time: 2,08
